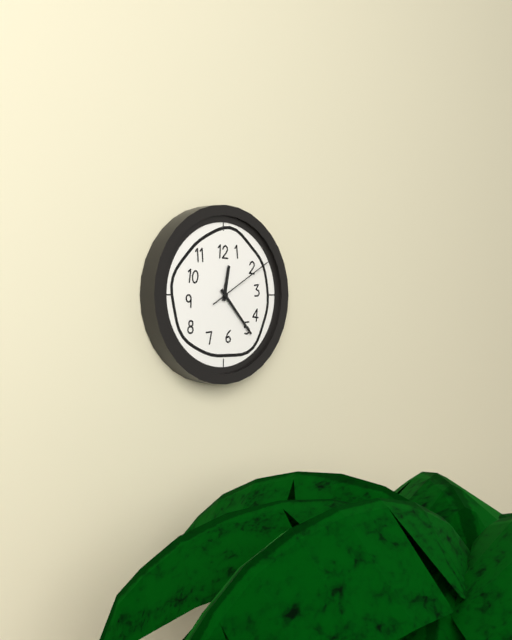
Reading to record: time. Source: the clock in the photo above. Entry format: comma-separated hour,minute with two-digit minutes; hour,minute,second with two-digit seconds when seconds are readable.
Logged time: 12,23,10
